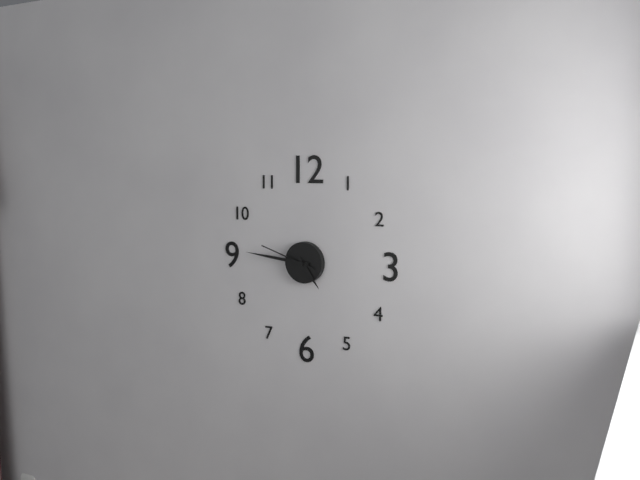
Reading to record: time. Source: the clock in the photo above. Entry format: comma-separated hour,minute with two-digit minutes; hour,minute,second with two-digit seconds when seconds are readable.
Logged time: 4,46,48
